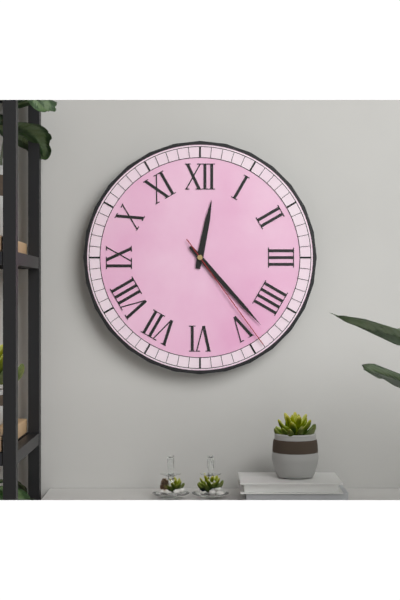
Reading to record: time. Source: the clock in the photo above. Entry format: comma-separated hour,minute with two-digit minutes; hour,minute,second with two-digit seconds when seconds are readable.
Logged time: 12,23,24
